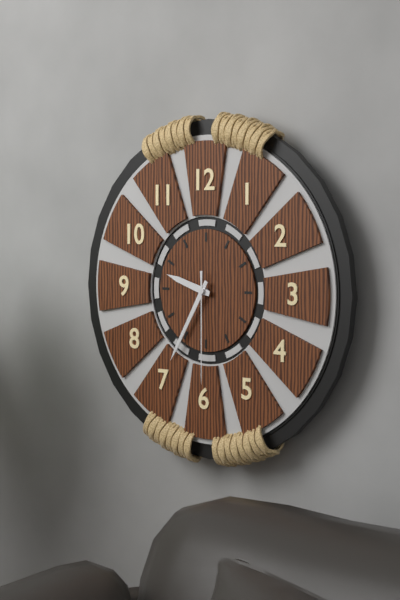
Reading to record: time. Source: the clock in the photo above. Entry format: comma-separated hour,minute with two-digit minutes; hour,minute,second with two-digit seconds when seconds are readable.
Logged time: 9,35,30
